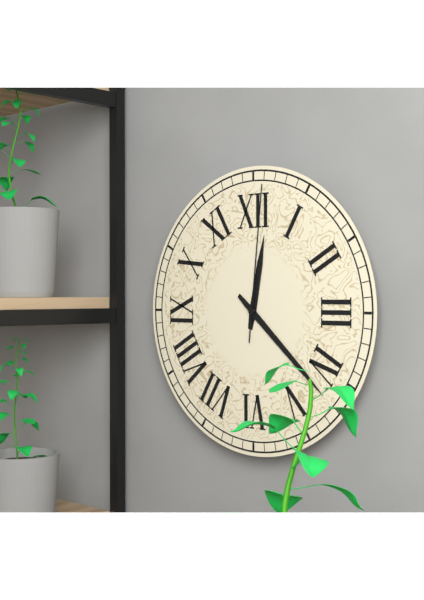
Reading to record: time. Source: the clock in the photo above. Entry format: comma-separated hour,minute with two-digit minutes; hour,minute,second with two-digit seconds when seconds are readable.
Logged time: 12,22,01
